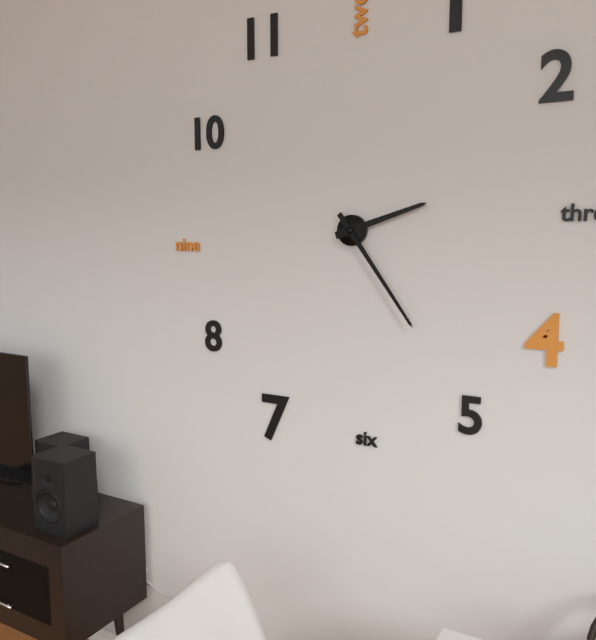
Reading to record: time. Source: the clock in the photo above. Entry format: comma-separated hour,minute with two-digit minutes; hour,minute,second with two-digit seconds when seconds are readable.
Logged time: 2,24
